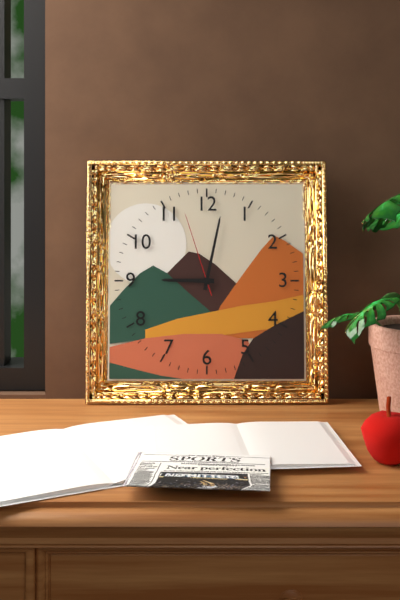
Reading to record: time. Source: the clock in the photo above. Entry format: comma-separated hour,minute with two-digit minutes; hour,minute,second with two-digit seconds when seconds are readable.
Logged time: 9,02,57
